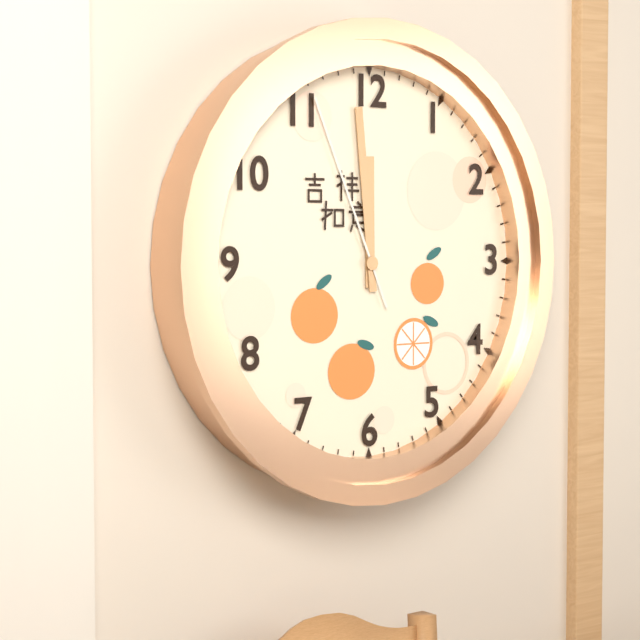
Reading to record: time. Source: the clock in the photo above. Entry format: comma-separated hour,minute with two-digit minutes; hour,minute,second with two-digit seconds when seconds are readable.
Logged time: 11,59,56
